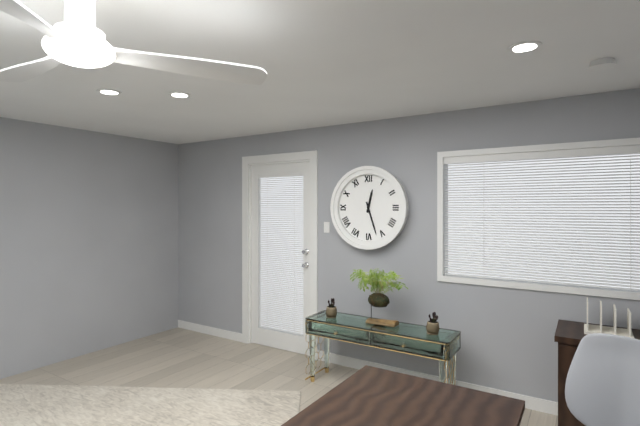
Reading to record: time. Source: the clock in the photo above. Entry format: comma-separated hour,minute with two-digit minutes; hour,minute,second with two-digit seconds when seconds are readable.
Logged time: 12,27
